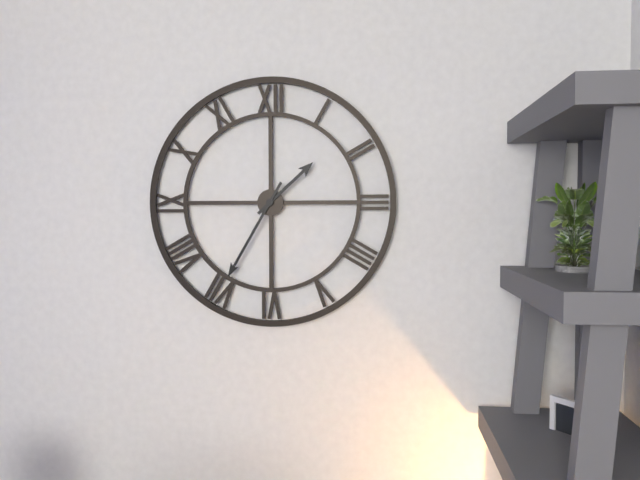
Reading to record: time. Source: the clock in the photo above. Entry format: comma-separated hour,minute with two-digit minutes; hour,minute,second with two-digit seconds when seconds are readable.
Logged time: 1,35
